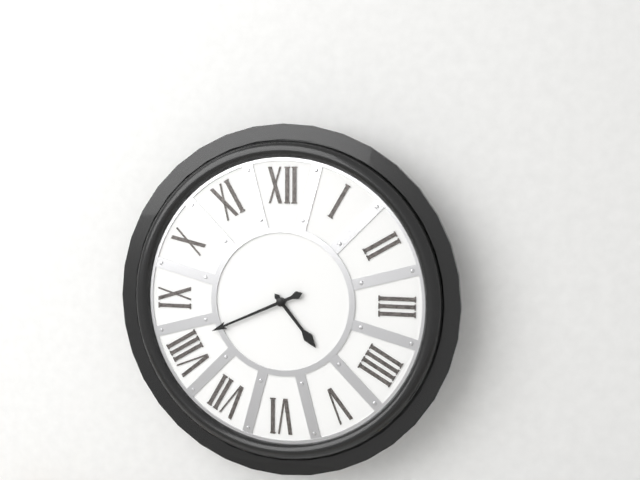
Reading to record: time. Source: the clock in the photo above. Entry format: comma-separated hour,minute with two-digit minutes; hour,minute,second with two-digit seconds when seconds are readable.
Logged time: 4,41
